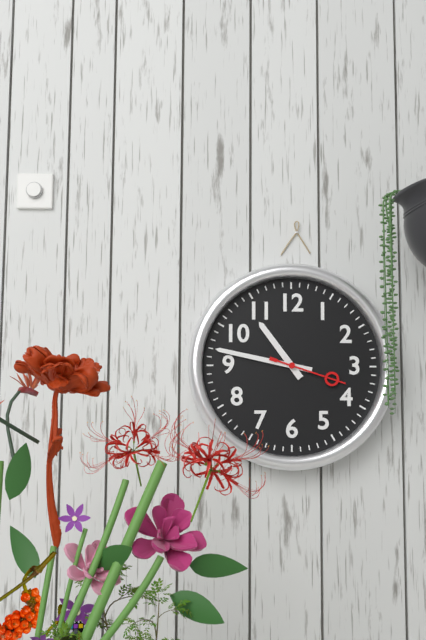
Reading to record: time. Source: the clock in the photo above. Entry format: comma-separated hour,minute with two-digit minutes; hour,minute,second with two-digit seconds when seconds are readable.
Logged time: 10,47,18
